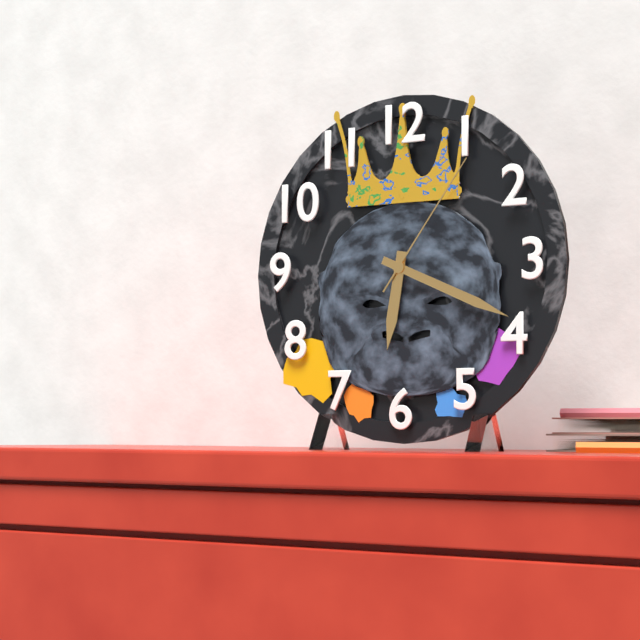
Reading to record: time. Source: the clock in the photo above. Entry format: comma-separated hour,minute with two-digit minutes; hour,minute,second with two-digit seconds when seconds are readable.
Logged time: 6,19,06
